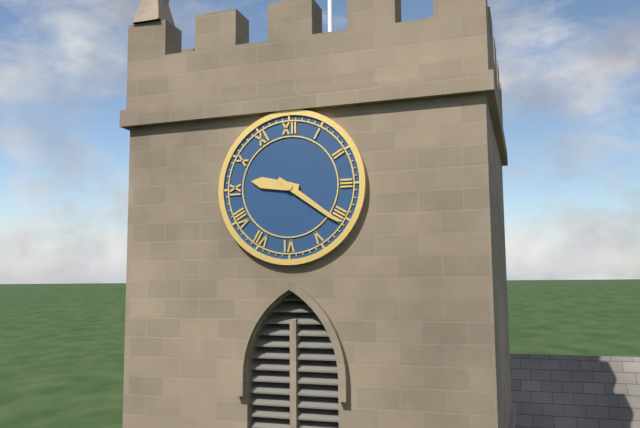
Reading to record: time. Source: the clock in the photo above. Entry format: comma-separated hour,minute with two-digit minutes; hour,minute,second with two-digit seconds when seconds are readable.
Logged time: 9,21
